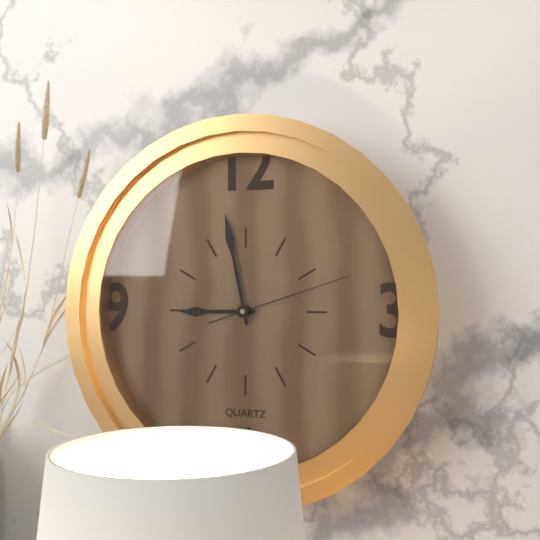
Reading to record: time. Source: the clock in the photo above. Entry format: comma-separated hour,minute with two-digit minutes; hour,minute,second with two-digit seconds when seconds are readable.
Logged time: 8,58,12
